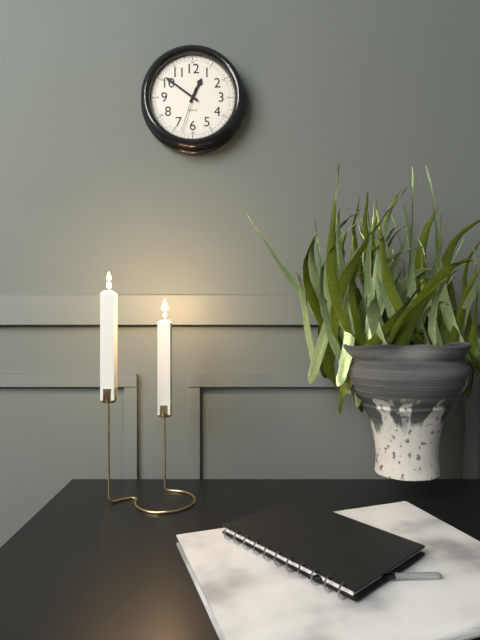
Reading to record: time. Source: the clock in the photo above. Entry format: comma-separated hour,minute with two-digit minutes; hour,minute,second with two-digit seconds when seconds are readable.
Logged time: 12,51
